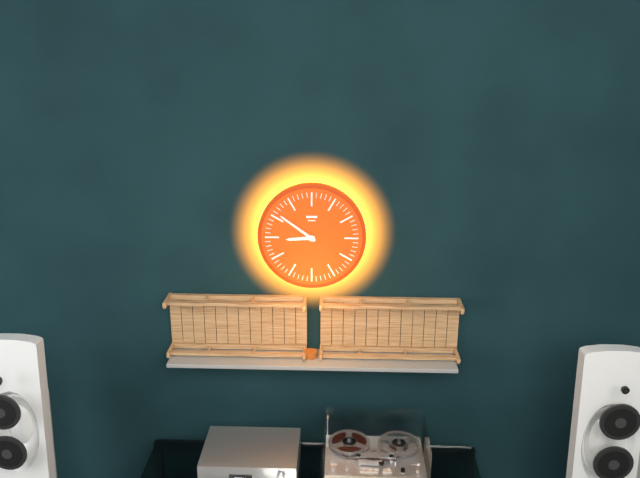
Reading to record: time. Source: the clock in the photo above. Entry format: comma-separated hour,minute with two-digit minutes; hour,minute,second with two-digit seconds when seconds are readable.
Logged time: 8,51
